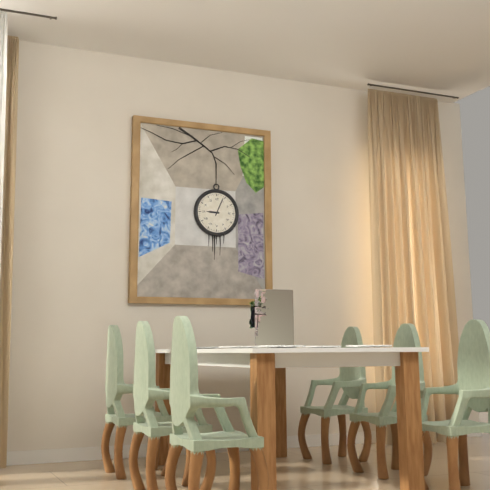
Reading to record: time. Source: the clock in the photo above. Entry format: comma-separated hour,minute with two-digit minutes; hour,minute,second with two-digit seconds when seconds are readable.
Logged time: 9,04
